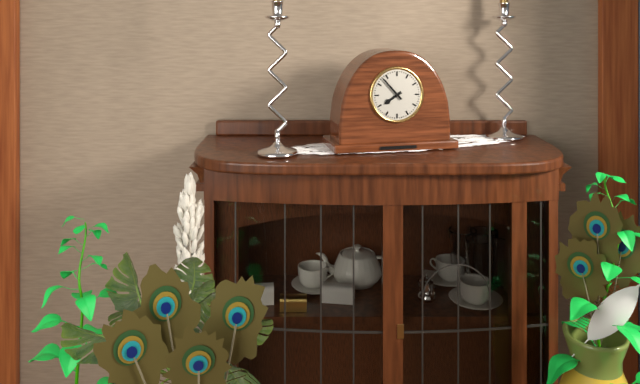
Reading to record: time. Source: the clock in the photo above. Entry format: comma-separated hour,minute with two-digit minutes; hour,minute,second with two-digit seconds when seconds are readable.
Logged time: 7,53
